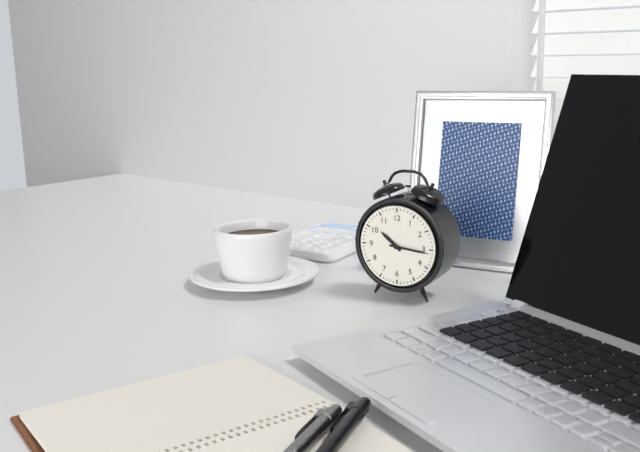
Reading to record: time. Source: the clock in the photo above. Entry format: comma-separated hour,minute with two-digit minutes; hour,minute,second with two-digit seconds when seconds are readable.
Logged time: 10,16
